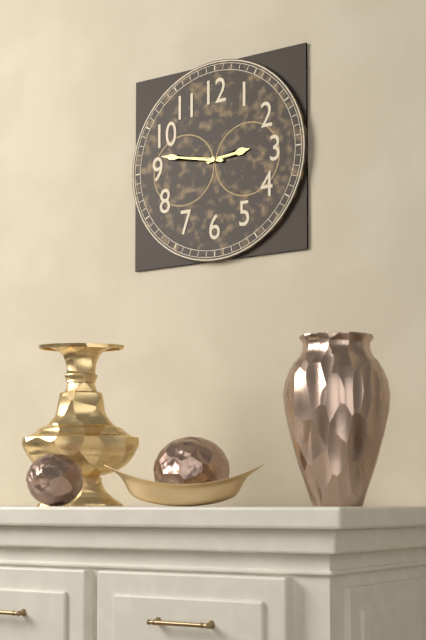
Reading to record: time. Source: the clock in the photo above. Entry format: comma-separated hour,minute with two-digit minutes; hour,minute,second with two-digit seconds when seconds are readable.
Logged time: 2,47
